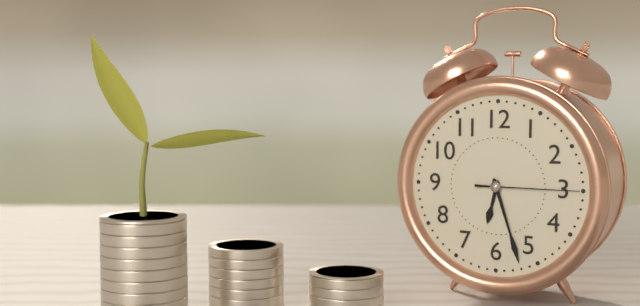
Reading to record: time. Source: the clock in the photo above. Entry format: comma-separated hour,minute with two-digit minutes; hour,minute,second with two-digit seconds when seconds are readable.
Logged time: 6,27,15
